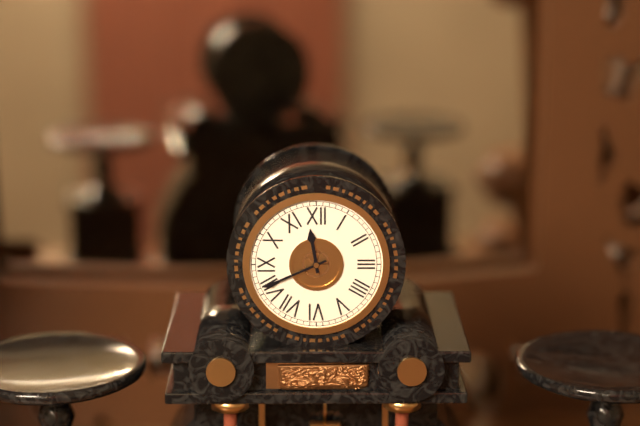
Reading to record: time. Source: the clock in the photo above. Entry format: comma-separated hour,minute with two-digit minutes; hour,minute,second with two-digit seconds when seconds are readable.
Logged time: 11,41
